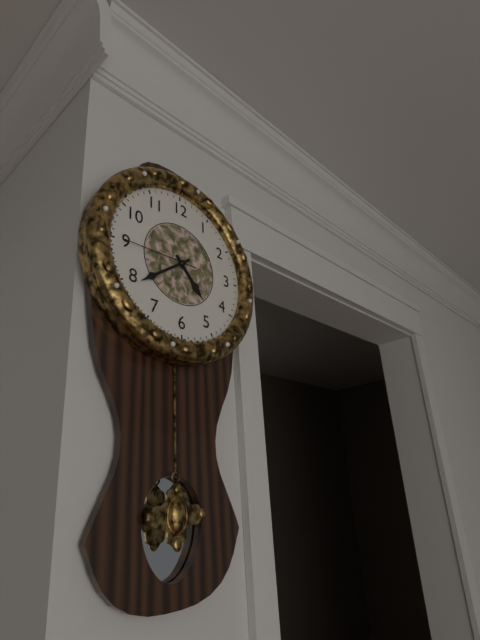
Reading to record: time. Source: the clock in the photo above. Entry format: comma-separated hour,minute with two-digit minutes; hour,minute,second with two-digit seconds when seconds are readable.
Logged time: 4,39,45
